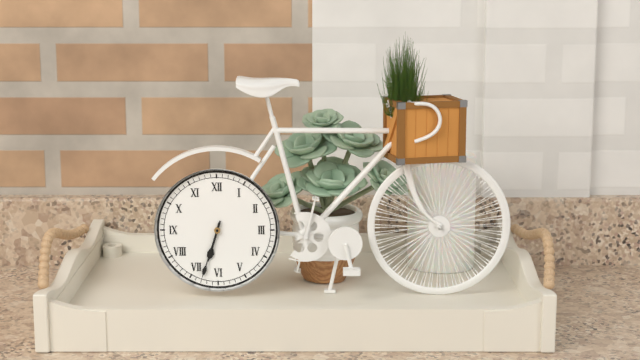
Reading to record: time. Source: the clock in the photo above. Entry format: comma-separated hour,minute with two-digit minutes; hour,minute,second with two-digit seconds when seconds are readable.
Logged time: 6,33
